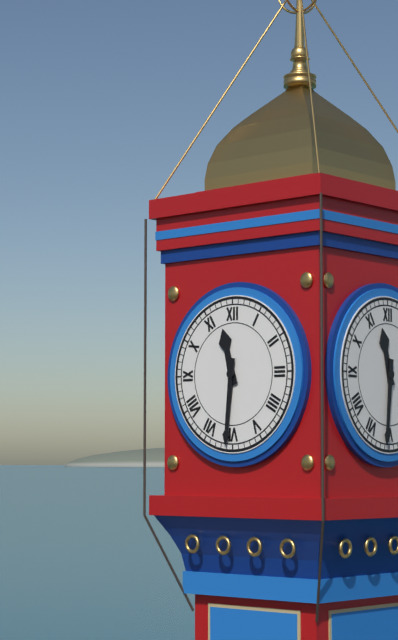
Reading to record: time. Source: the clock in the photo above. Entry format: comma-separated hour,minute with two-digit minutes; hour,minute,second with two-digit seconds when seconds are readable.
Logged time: 11,31
